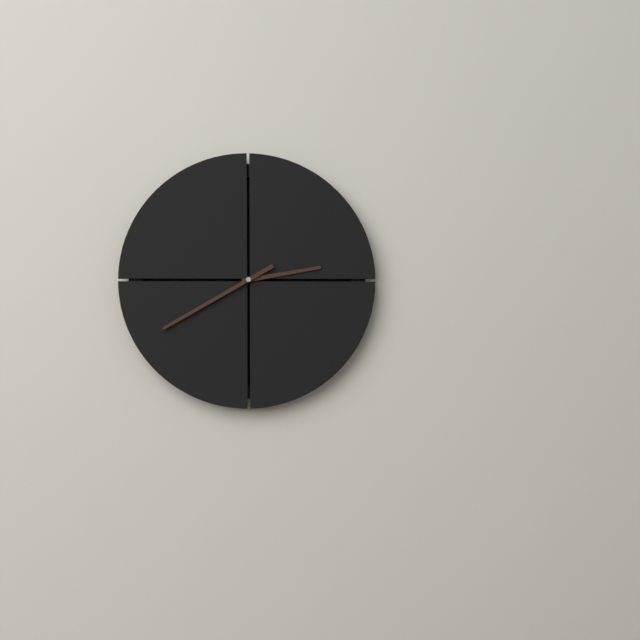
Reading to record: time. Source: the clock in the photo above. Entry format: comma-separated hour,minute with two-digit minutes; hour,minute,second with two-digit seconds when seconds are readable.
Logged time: 2,40
